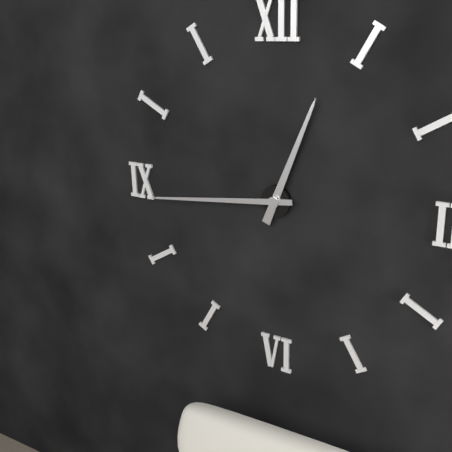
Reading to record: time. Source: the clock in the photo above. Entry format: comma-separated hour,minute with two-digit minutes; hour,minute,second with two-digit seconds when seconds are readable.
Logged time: 12,44
